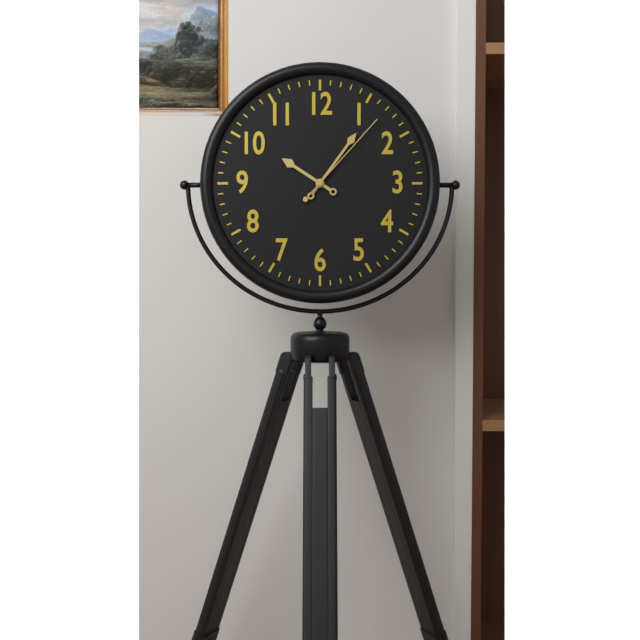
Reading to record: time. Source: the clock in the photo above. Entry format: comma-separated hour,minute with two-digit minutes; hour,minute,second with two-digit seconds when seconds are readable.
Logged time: 10,06,07
